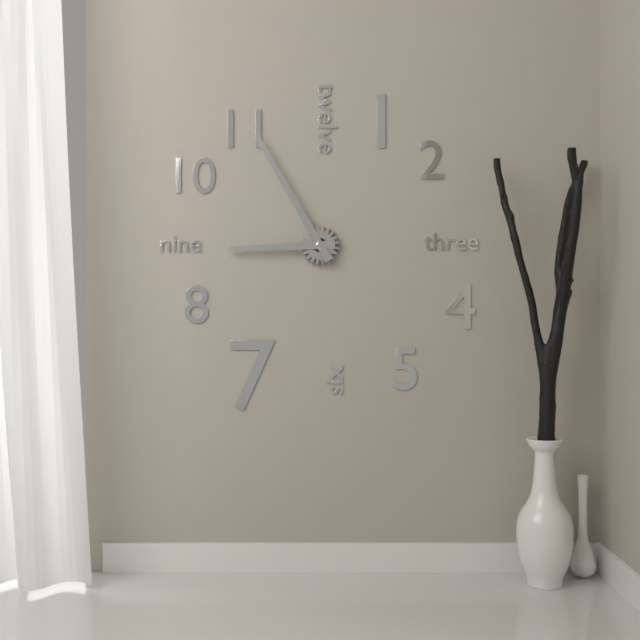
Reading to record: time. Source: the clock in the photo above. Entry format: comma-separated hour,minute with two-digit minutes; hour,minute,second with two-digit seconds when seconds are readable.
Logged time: 8,55
